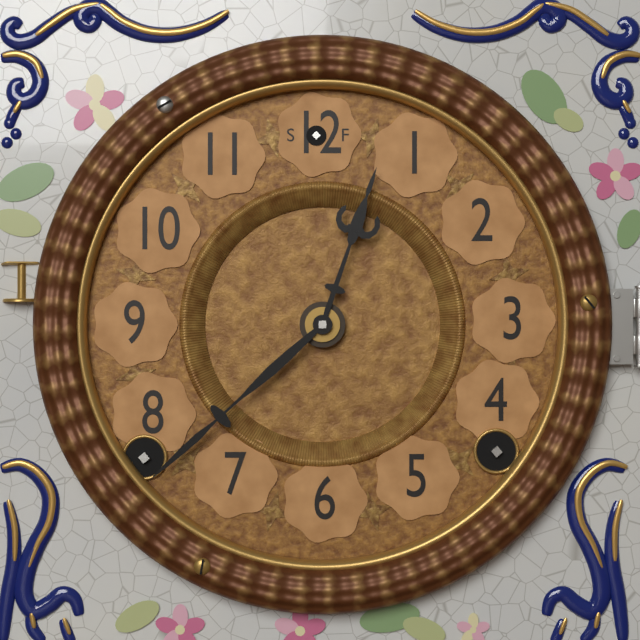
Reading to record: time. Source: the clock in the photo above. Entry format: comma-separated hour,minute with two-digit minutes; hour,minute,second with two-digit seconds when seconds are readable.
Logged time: 12,38
